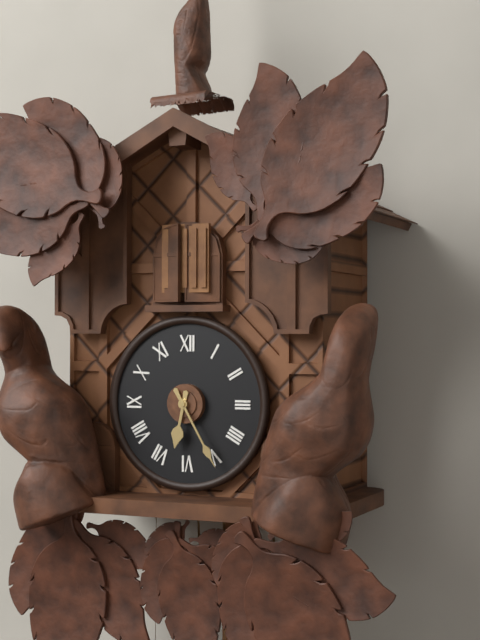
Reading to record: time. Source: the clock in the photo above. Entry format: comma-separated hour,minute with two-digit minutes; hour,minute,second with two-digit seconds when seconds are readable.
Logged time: 6,25
